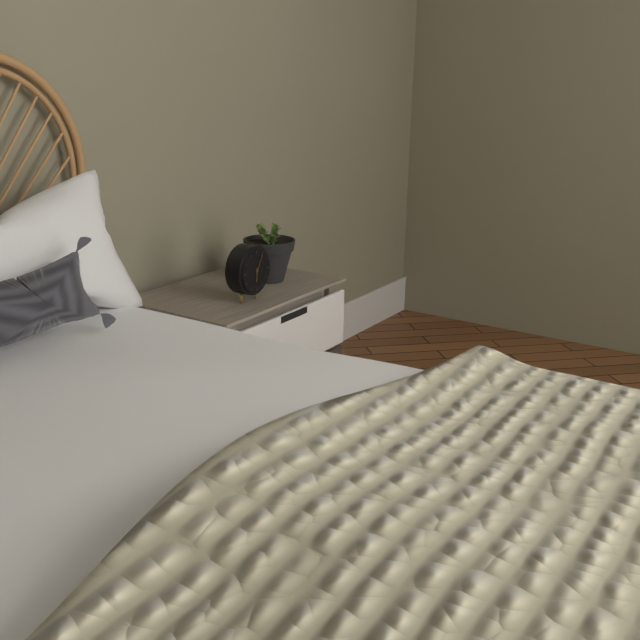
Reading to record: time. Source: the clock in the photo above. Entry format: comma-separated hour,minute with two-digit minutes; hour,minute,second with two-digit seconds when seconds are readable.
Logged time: 6,05
